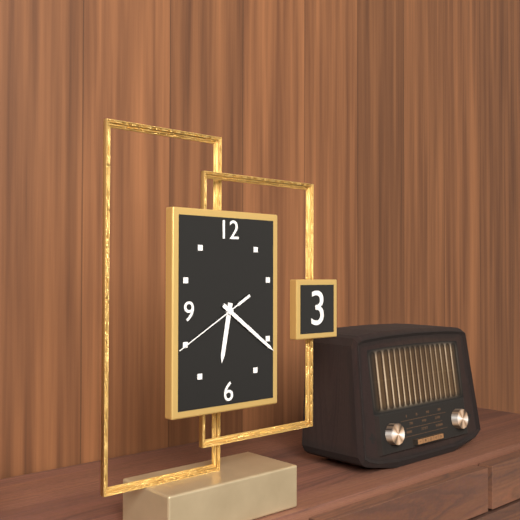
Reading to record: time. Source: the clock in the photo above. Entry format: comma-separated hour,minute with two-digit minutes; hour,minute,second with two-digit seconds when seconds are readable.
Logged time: 6,21,40
